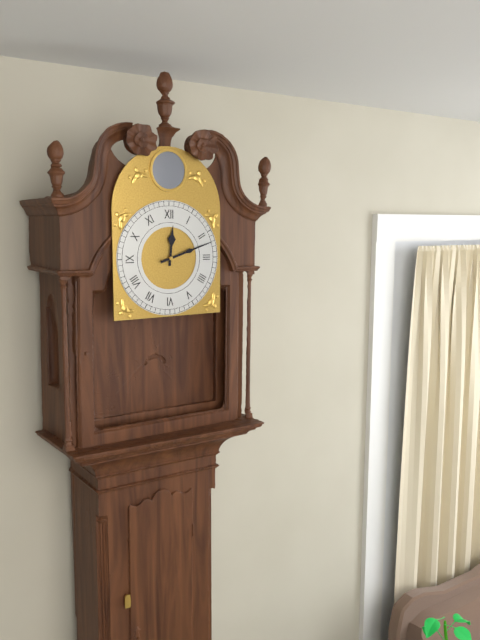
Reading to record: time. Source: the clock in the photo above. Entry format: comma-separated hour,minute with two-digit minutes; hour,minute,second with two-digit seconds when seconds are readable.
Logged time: 12,12
